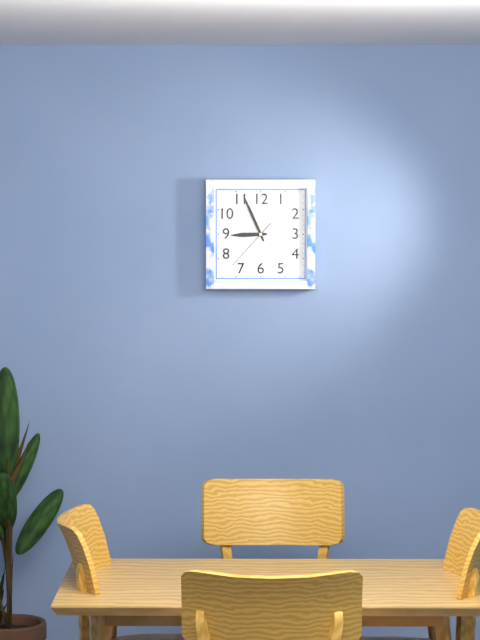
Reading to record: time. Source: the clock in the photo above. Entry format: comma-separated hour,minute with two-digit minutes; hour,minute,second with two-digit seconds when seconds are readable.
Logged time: 8,56,37
